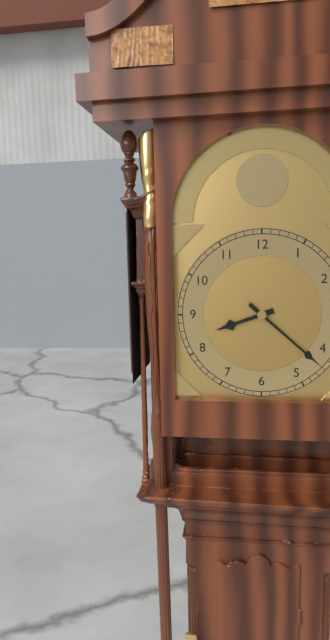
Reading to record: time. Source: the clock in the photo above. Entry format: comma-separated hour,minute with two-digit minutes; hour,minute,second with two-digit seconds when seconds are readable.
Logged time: 8,22
